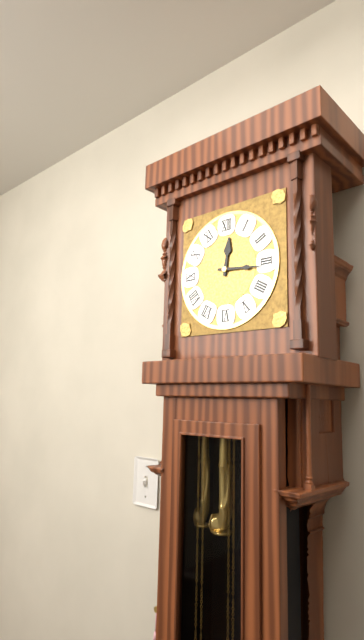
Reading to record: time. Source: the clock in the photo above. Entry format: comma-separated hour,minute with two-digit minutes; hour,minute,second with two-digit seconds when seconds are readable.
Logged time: 12,16
